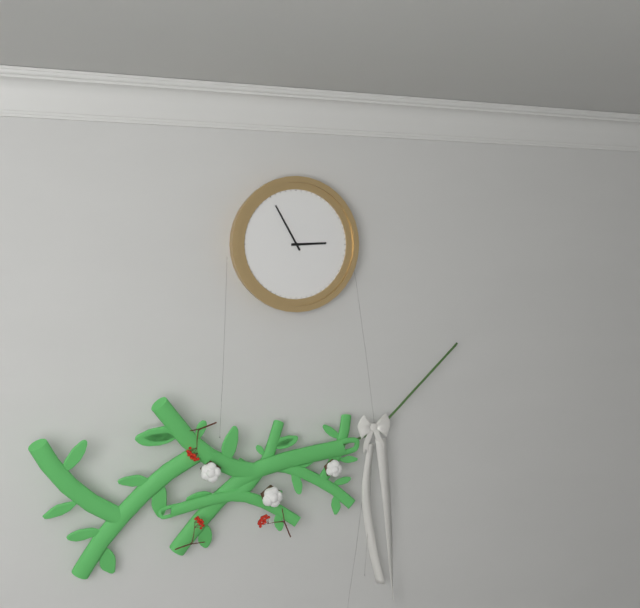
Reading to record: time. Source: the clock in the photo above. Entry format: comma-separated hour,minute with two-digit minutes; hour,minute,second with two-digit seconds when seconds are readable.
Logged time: 2,55
